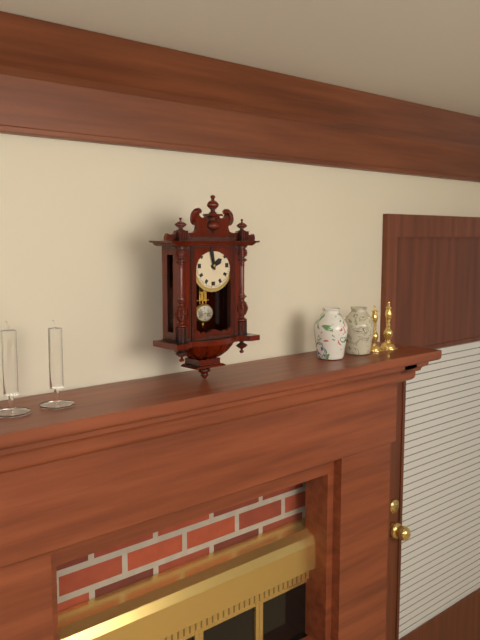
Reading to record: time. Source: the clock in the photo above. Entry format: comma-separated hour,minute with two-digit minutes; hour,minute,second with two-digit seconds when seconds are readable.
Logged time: 1,58
